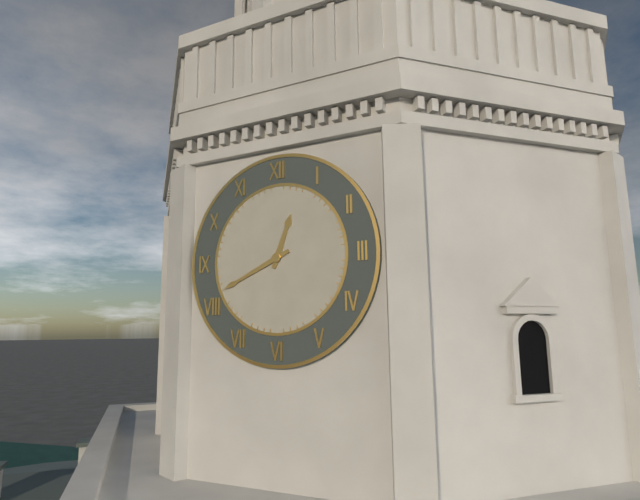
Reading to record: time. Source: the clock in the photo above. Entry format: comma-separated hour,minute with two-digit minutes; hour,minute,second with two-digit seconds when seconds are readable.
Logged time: 12,41
